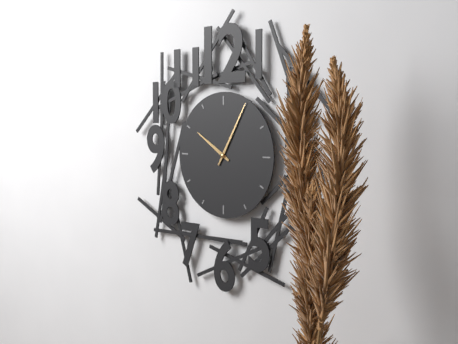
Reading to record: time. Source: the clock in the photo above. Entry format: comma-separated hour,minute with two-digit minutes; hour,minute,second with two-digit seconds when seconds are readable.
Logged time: 10,05
